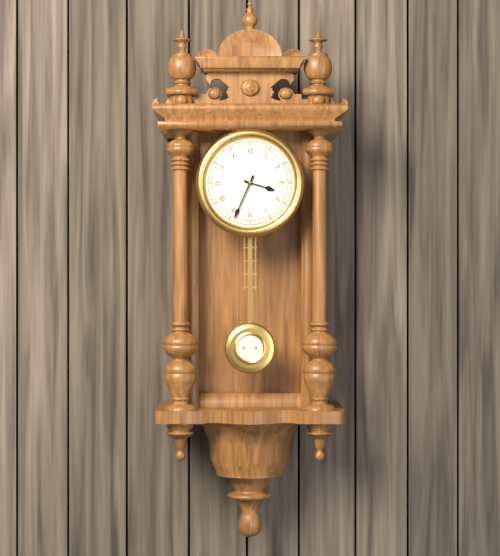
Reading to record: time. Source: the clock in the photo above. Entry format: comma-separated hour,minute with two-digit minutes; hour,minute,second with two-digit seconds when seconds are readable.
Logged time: 3,34
